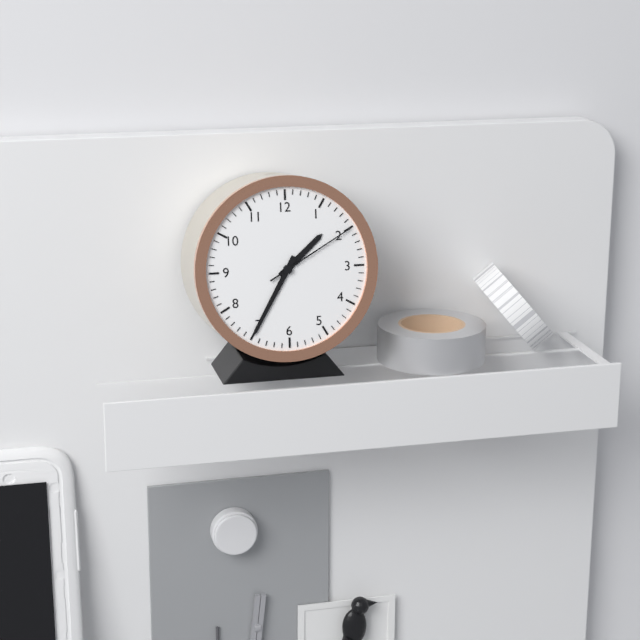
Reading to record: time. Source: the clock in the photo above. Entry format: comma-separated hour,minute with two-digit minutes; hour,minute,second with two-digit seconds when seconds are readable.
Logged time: 1,35,10
